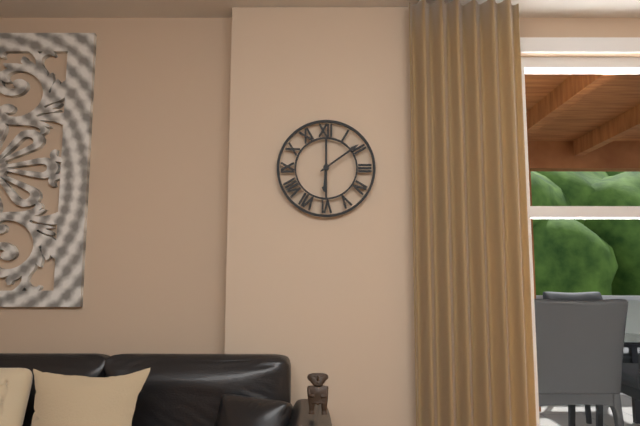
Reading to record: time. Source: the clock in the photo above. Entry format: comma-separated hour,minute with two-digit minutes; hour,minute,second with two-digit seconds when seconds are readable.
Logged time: 6,09
